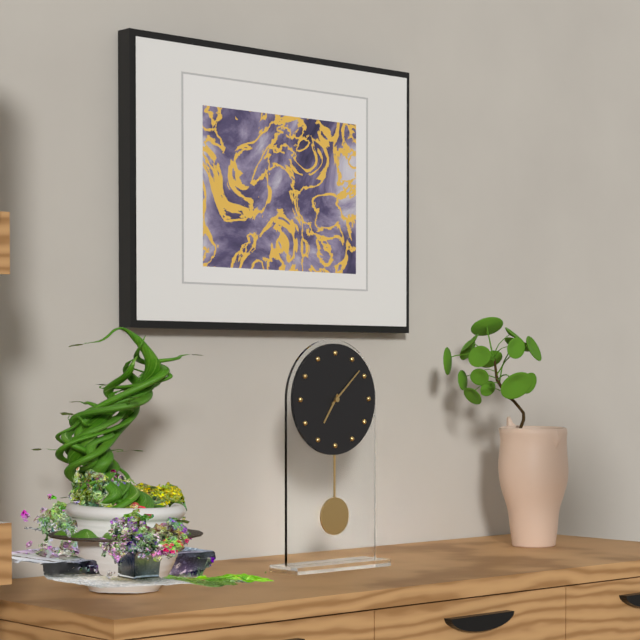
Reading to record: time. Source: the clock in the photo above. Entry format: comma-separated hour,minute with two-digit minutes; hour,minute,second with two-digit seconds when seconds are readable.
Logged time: 7,08
